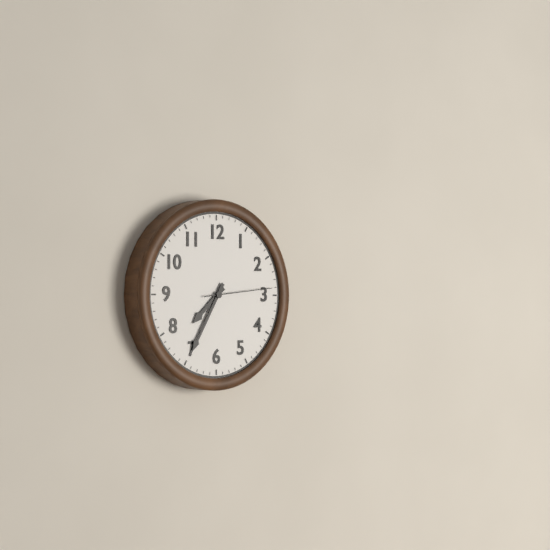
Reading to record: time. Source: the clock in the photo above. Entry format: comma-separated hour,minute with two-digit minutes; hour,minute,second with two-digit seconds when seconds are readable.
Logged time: 7,35,14
